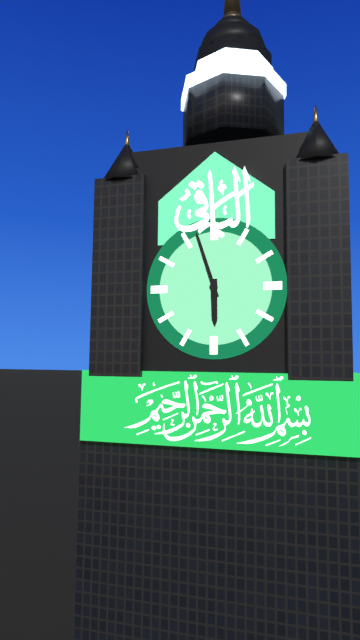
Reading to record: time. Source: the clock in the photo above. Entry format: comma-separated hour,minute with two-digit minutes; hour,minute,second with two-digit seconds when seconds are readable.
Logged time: 5,57
